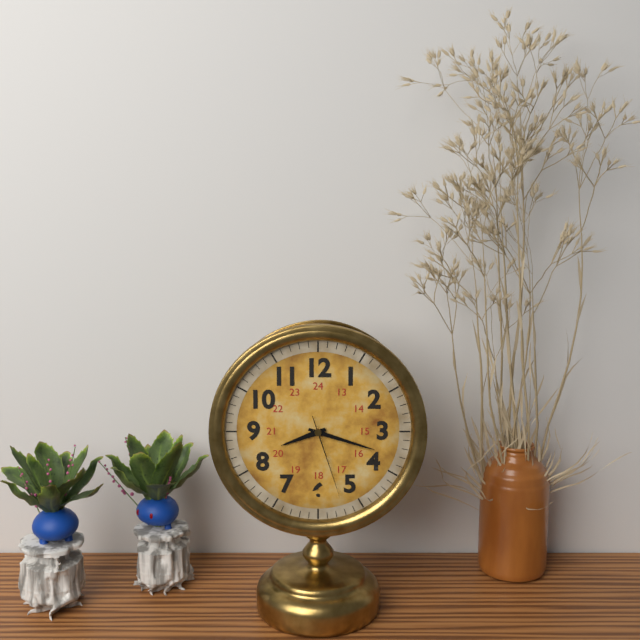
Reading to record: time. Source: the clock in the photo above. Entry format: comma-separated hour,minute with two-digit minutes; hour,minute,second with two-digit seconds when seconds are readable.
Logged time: 8,18,27
